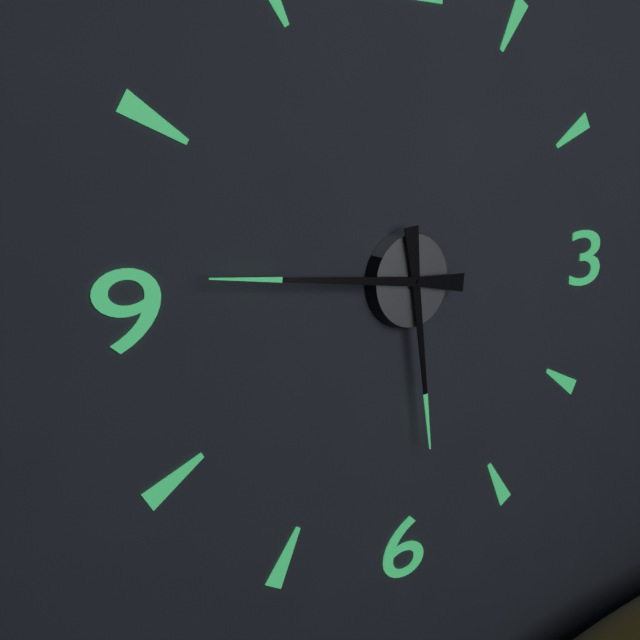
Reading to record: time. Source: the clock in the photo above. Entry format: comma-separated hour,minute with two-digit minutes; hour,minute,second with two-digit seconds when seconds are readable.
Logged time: 5,46
